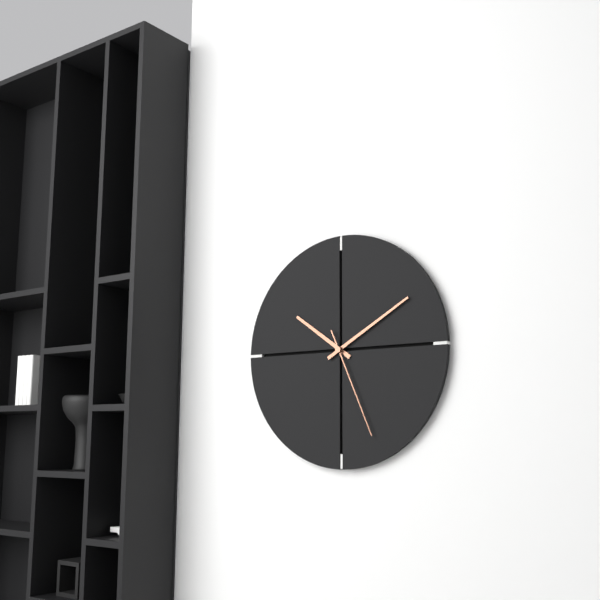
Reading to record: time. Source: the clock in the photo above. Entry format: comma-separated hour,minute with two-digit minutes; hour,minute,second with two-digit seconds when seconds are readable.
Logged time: 10,10,26
